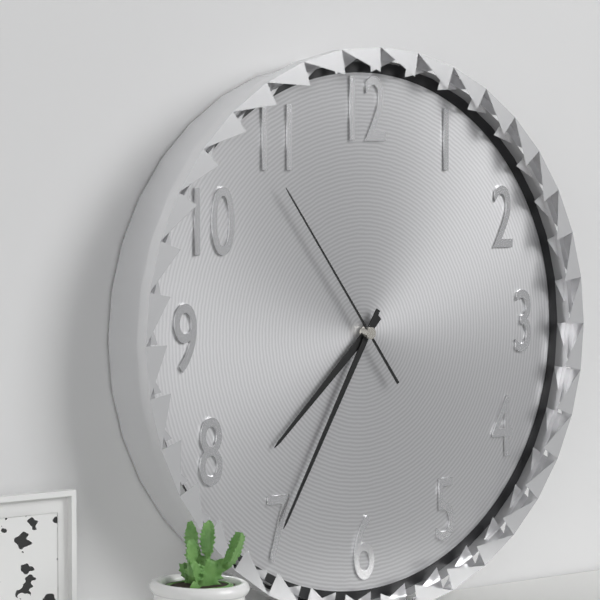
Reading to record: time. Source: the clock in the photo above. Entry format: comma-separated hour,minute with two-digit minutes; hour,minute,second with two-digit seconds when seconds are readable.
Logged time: 7,35,54
